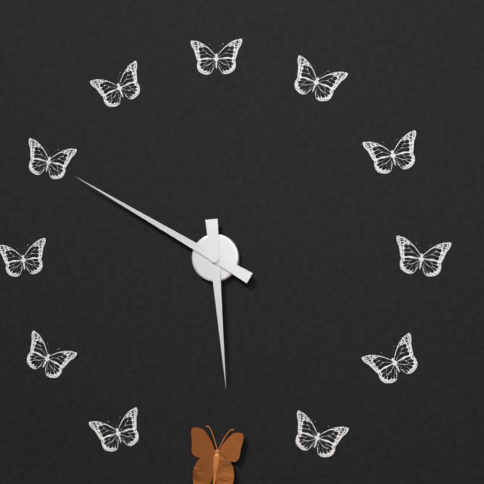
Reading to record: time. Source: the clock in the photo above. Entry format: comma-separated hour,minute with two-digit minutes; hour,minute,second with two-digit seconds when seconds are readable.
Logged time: 5,50
